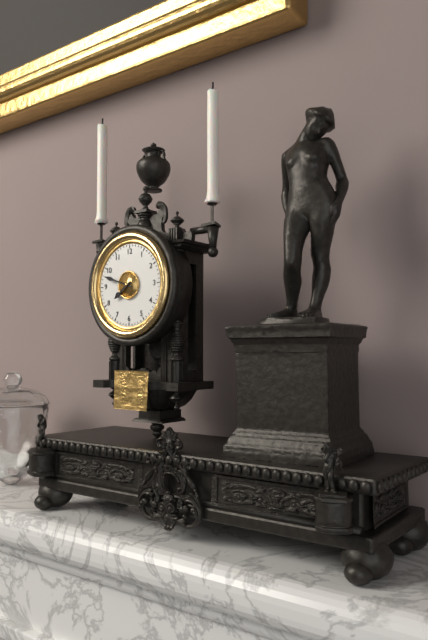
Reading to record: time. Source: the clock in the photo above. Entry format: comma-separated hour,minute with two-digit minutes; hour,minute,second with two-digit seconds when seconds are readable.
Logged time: 7,48
